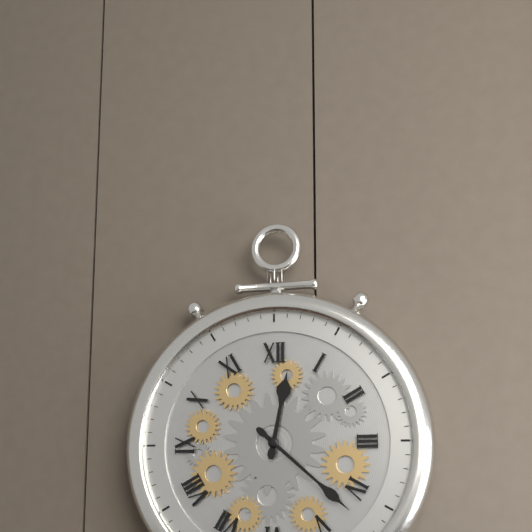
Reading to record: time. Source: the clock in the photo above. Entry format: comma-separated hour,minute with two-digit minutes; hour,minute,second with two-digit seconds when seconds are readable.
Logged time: 12,22
